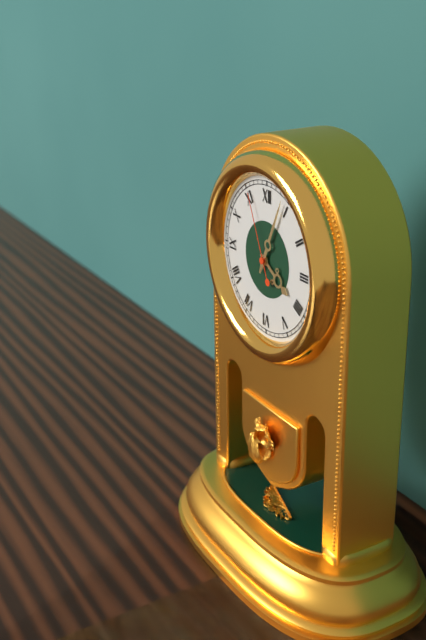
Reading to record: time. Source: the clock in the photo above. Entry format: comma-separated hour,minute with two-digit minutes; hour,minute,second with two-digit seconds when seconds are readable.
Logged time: 4,04,56
